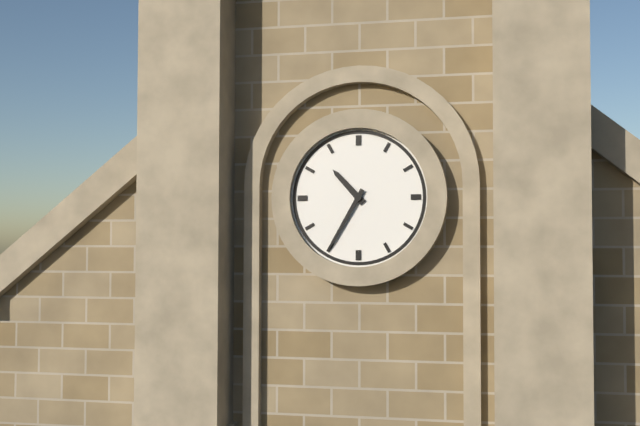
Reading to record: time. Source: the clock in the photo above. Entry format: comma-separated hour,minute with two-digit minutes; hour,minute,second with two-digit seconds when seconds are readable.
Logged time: 10,35
